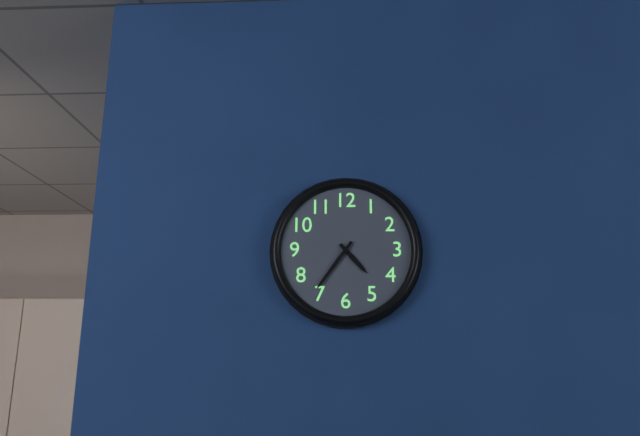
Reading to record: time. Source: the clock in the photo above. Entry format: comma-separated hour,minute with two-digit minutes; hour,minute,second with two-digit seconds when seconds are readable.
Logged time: 4,36
